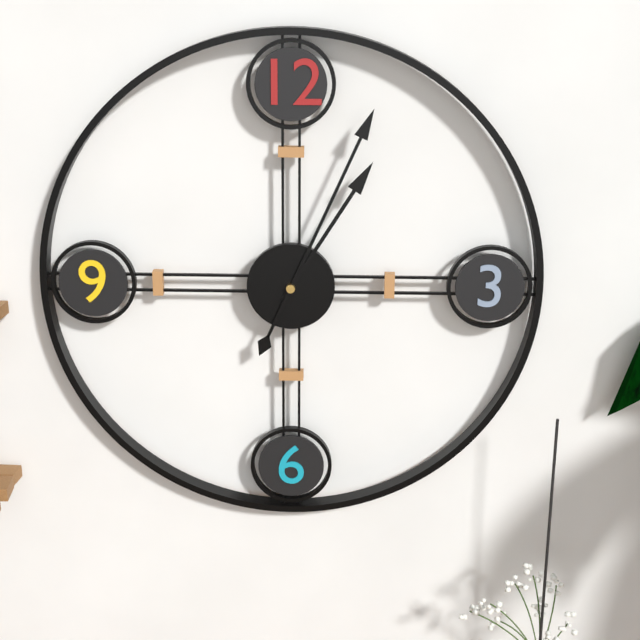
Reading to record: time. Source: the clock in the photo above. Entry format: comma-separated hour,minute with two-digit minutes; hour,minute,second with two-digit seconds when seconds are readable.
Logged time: 1,04
